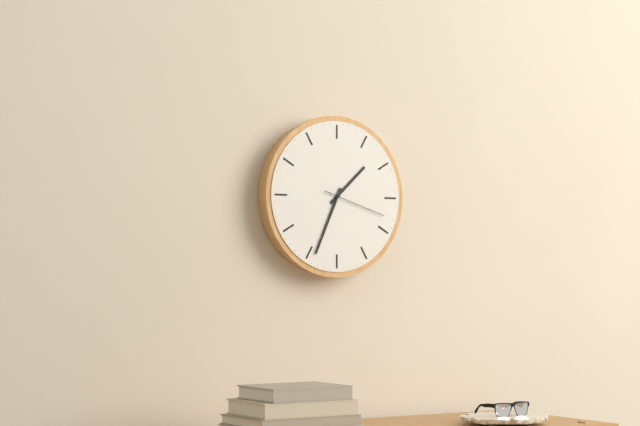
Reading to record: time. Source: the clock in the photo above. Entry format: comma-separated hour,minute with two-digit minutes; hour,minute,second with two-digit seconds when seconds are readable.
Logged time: 1,34,18
